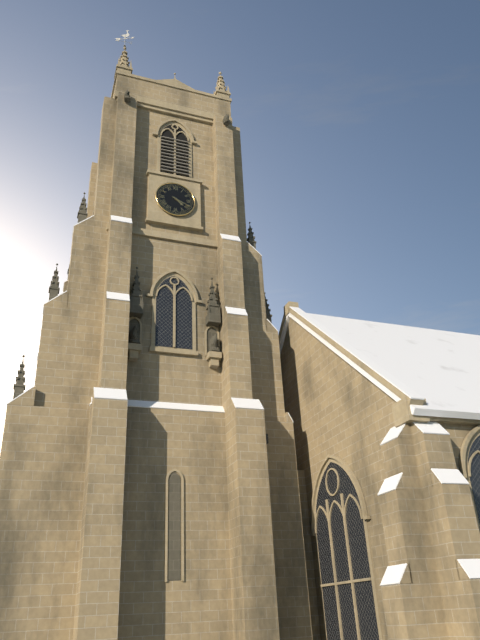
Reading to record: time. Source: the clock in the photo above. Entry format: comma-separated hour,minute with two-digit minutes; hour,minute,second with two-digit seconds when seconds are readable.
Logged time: 4,19
